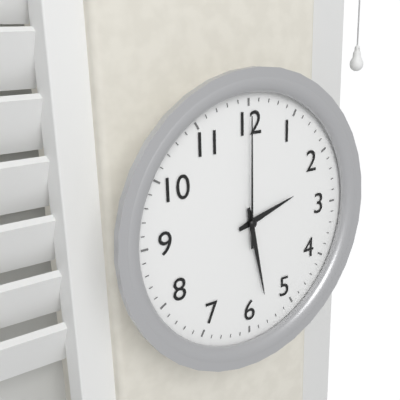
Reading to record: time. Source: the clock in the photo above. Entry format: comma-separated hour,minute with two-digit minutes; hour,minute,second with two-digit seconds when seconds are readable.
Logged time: 2,28,00
